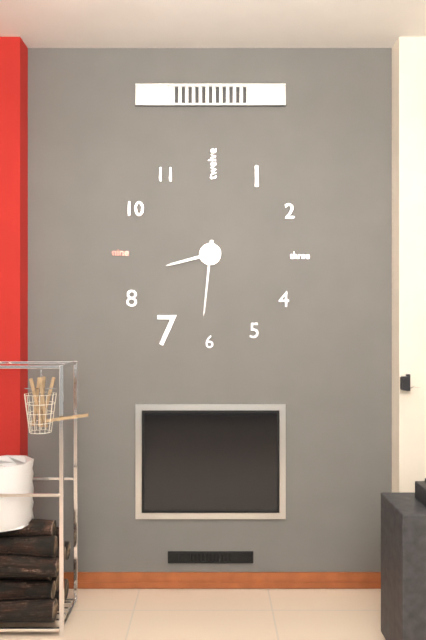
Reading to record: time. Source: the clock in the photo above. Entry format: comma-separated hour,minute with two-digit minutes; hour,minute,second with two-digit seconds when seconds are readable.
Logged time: 8,31
